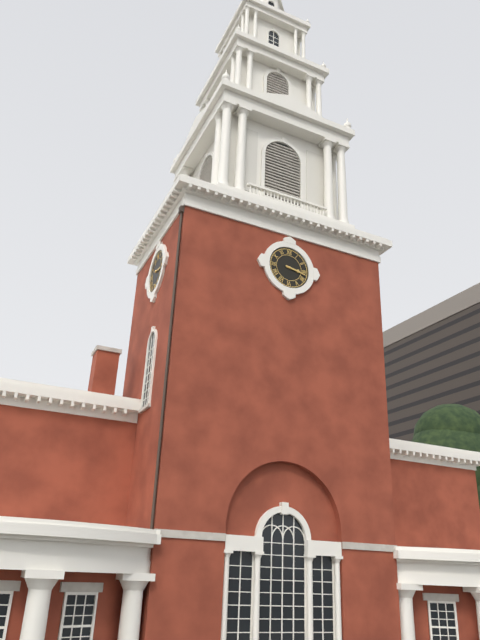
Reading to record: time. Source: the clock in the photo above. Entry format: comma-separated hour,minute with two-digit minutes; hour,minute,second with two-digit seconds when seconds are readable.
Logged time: 3,17
